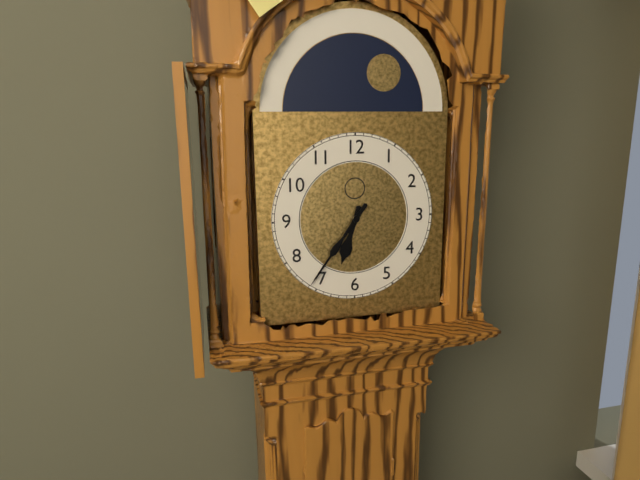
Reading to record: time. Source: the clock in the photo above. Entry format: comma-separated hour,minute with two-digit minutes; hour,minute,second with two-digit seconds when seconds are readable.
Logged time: 6,36
